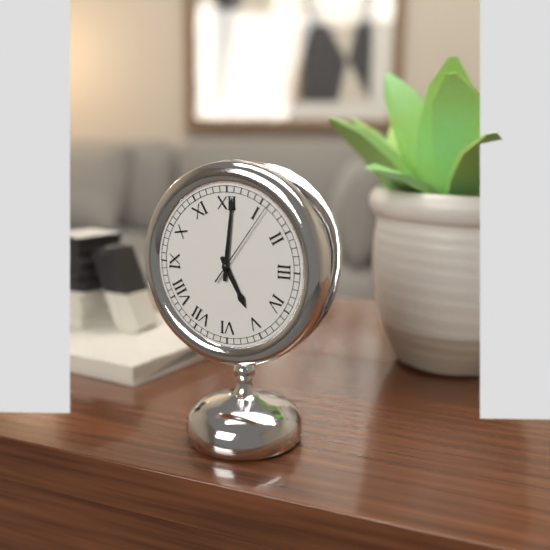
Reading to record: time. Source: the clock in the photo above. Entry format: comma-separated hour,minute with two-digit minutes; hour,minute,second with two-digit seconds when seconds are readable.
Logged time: 5,01,06
